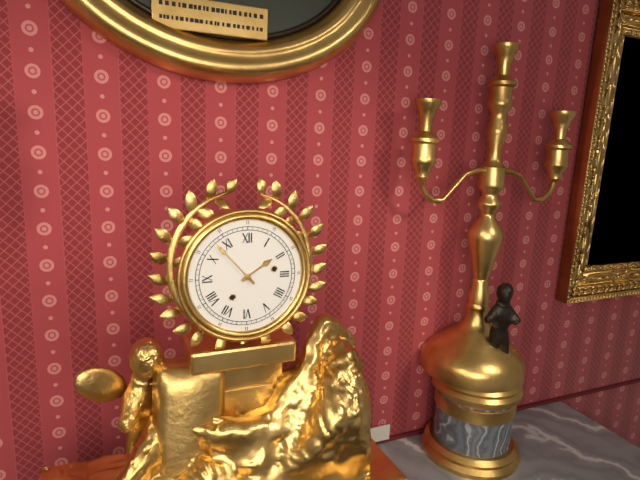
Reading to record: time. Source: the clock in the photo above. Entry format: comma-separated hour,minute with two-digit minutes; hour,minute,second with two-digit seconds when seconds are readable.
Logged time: 1,53
